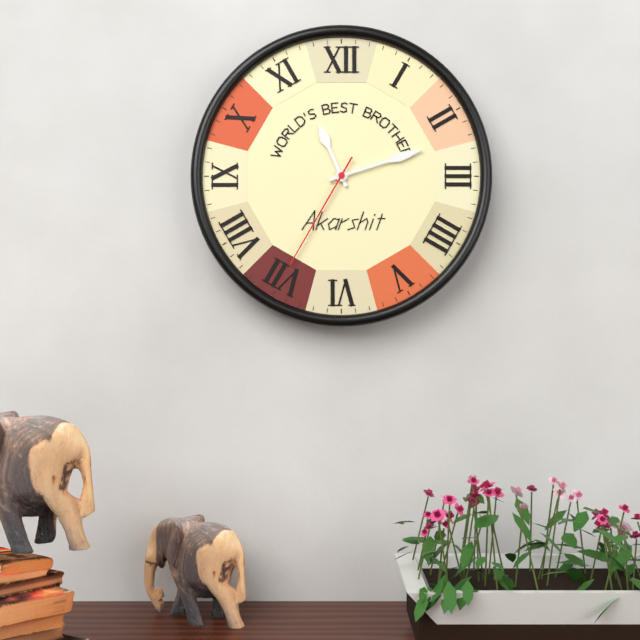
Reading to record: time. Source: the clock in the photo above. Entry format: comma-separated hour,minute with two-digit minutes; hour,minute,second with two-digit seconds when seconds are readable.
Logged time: 11,12,35
